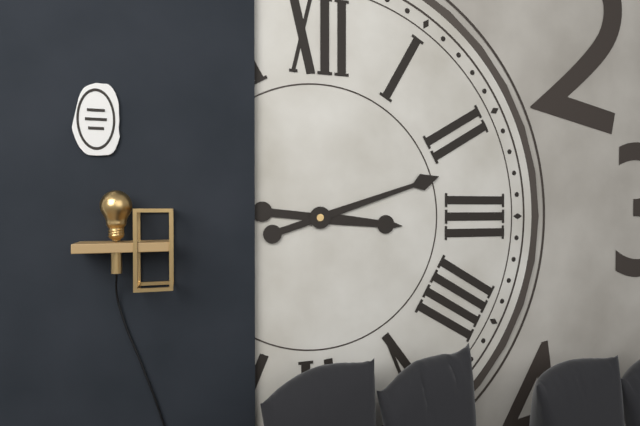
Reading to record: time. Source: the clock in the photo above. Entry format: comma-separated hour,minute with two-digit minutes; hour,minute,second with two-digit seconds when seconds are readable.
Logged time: 3,12
